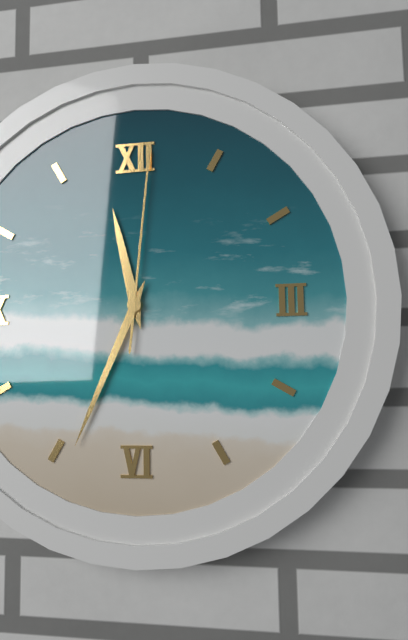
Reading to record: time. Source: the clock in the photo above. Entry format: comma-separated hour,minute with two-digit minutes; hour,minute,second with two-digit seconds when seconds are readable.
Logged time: 11,34,01
